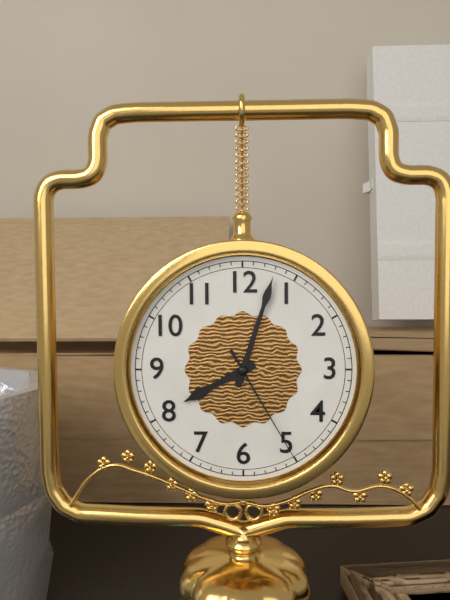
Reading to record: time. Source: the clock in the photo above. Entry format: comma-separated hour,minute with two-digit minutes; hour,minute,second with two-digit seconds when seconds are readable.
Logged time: 8,03,25
